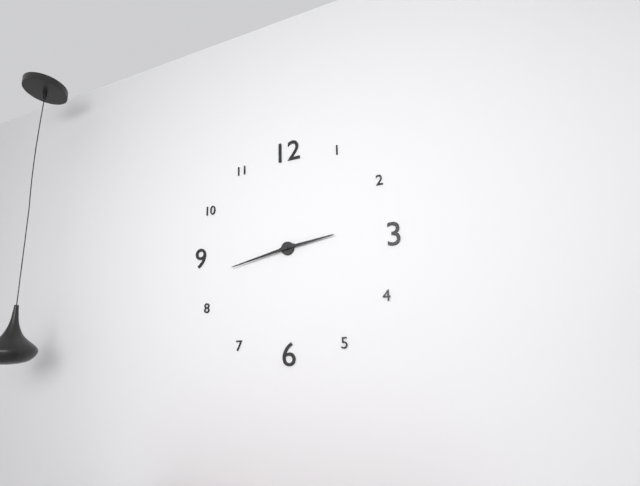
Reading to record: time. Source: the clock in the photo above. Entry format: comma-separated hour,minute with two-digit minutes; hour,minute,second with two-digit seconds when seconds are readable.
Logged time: 2,43
